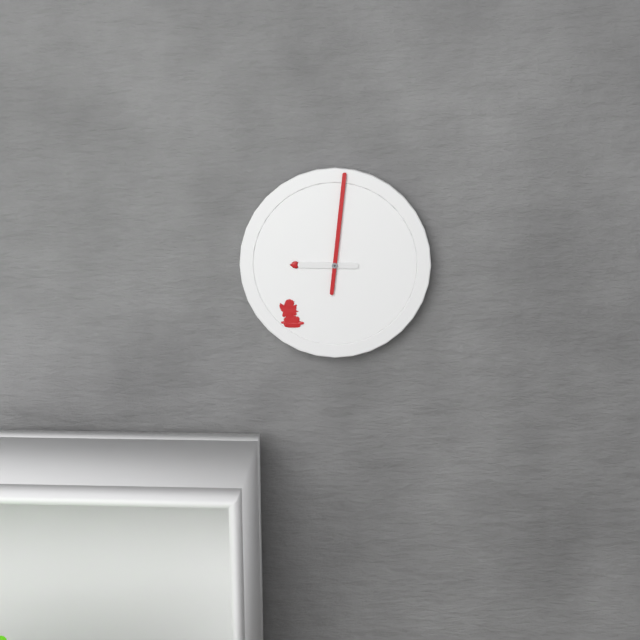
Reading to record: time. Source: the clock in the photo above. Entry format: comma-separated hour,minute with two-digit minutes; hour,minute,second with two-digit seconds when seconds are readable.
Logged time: 9,01
